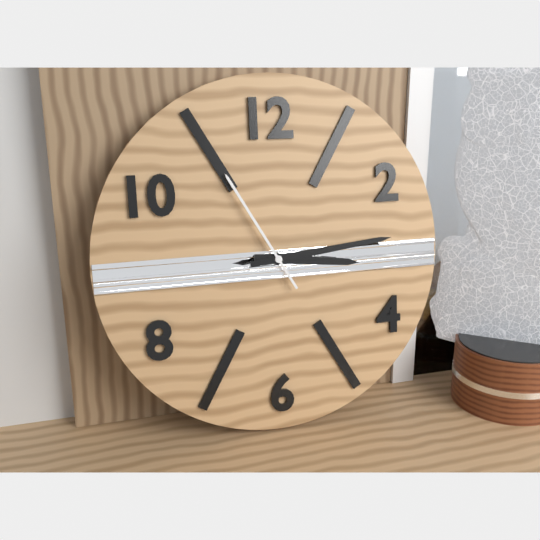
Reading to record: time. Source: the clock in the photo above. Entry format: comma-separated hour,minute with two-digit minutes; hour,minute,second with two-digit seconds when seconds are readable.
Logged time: 3,14,55
